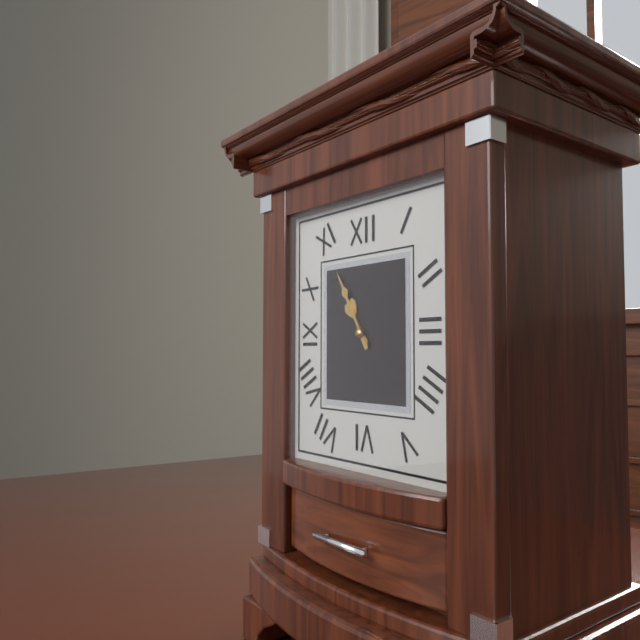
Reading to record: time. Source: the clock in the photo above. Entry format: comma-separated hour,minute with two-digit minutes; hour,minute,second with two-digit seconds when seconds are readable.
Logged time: 10,55
